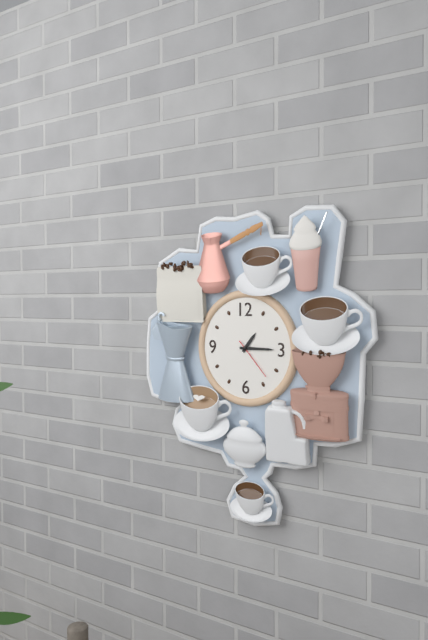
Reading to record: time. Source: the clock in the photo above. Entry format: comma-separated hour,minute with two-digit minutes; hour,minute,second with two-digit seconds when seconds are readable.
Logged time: 1,15
